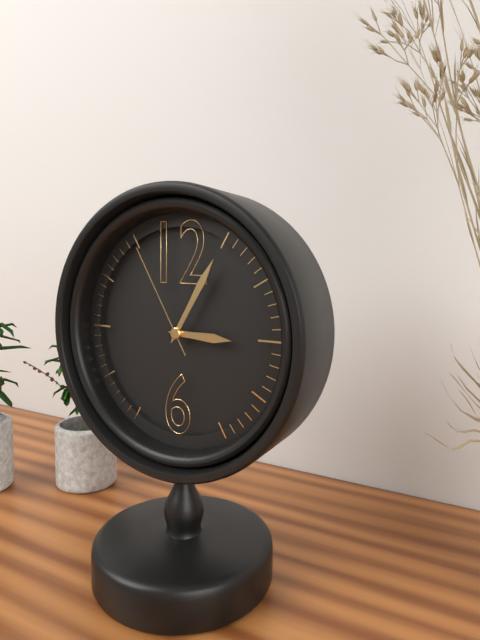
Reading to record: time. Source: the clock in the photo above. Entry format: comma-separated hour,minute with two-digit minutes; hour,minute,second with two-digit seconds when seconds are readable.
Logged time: 3,05,55
